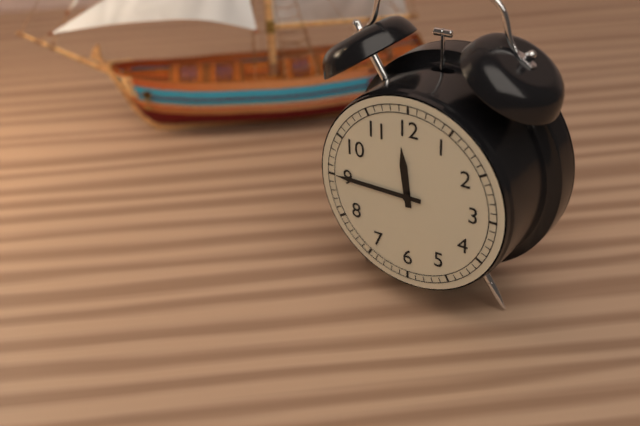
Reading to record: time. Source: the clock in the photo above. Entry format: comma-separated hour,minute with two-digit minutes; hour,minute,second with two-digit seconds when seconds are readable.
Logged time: 11,45
